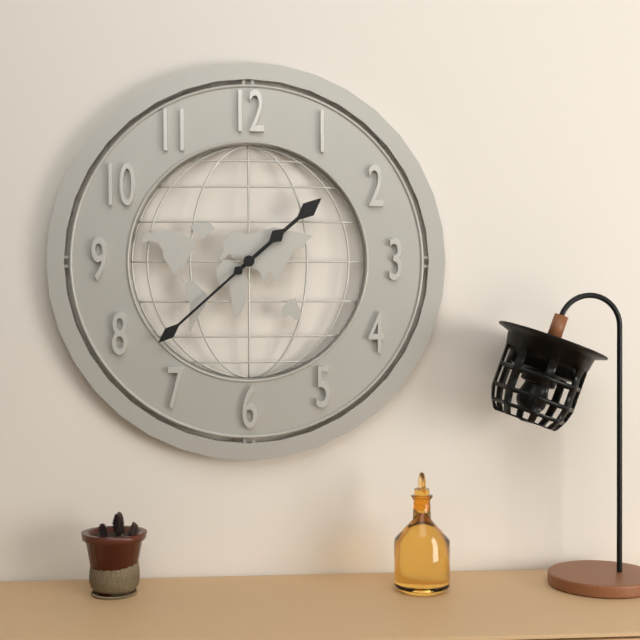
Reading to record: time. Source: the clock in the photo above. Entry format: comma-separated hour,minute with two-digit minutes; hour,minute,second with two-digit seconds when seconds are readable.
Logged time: 1,38
